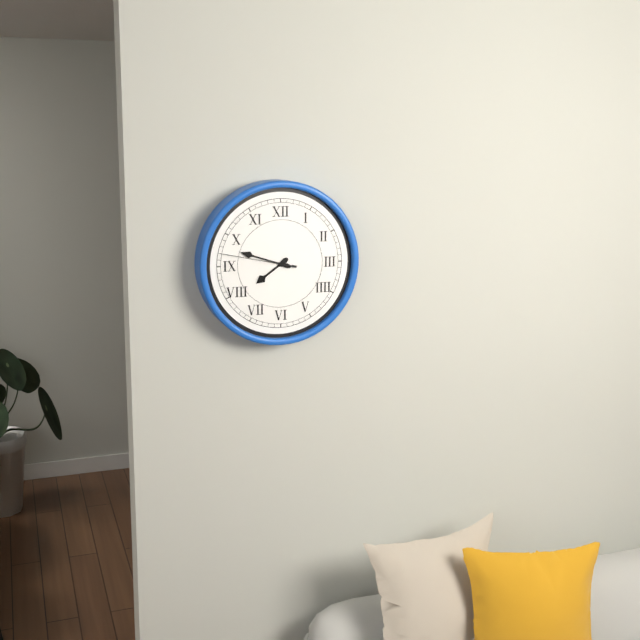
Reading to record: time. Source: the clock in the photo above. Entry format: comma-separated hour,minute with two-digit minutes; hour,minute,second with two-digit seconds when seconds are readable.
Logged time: 7,48,47
